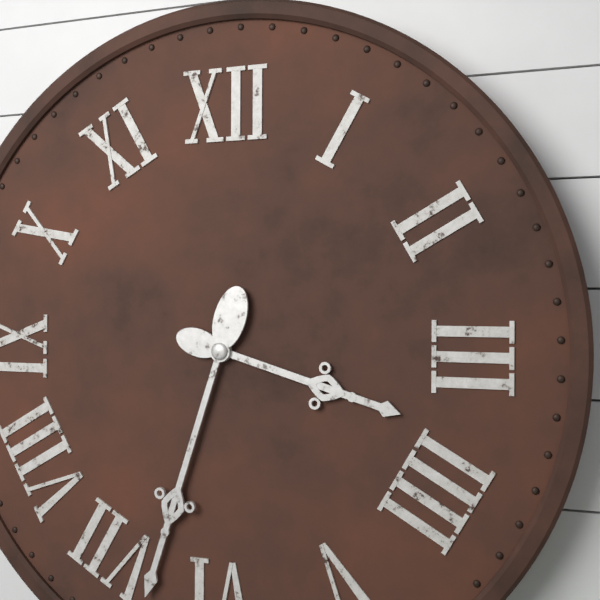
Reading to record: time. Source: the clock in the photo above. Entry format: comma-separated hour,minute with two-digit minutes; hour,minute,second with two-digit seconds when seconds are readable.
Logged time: 3,33
